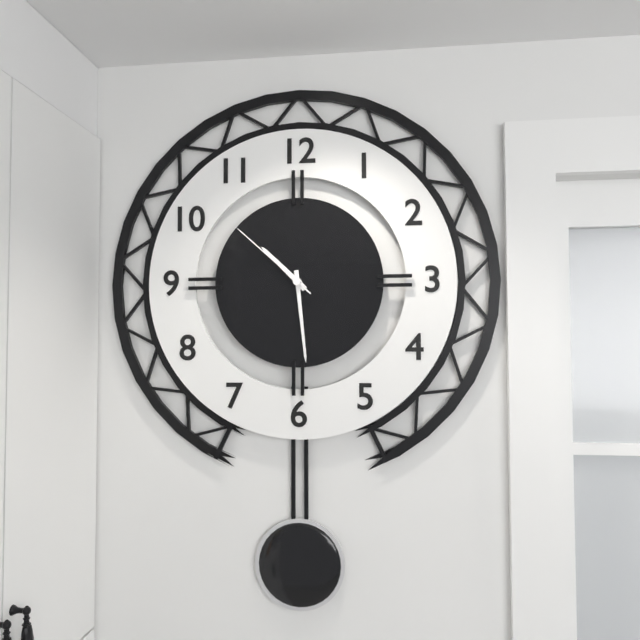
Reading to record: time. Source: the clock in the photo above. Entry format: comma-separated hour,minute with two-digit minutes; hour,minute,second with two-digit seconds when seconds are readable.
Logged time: 10,29,52
